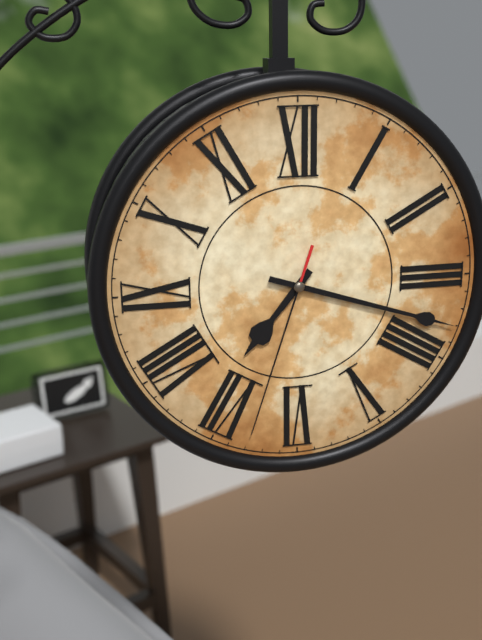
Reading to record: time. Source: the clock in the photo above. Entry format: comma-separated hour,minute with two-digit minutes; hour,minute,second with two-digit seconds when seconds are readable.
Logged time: 7,18,33
